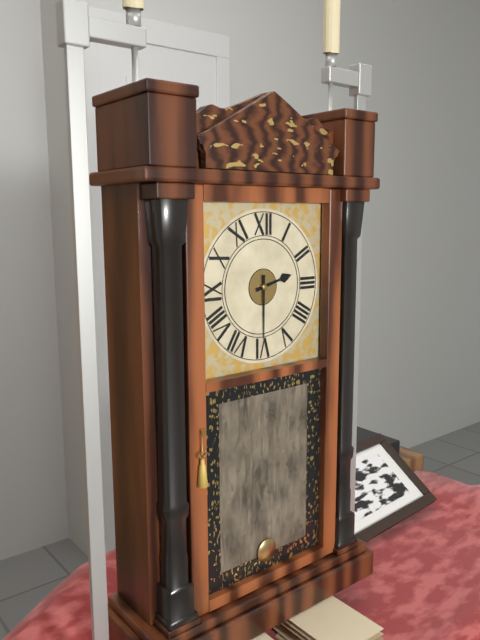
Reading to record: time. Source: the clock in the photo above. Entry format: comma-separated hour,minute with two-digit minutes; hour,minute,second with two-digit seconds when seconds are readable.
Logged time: 2,30
